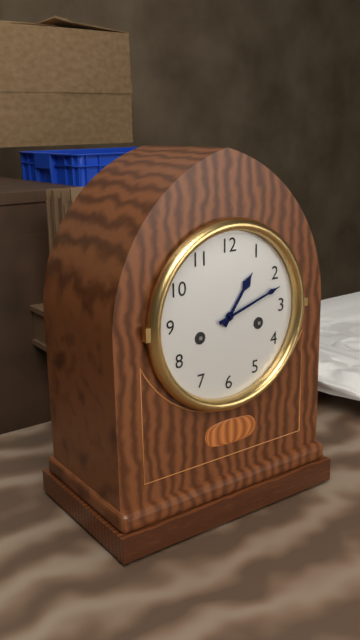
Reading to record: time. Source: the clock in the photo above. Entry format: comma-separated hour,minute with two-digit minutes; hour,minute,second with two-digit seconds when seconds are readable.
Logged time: 1,12
